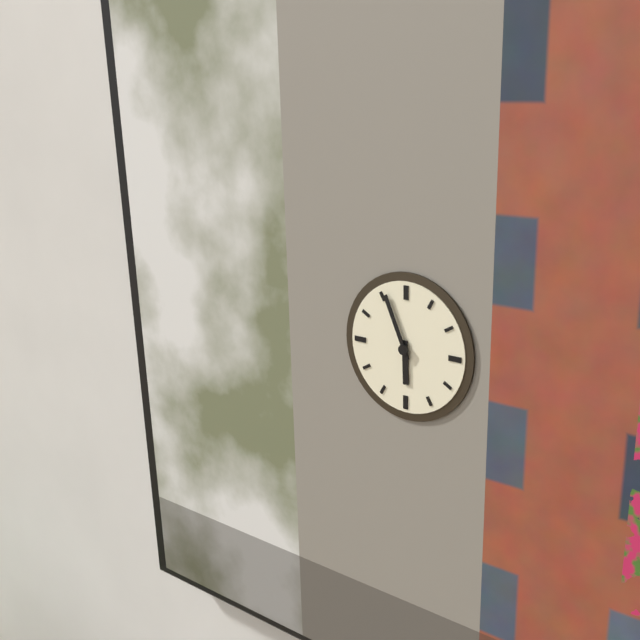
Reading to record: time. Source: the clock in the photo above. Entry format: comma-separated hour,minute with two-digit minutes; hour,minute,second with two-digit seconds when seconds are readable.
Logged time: 5,56
